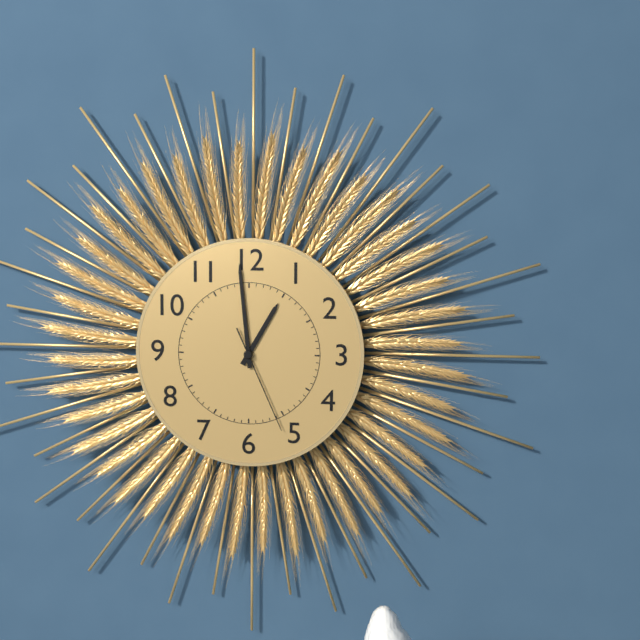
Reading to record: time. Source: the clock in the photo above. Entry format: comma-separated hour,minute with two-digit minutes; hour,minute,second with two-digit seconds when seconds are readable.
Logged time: 12,59,26
